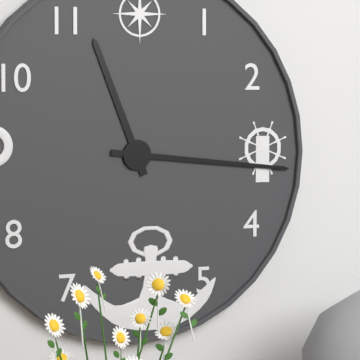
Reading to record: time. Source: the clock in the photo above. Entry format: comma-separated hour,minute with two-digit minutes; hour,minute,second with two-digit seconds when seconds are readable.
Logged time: 11,16
